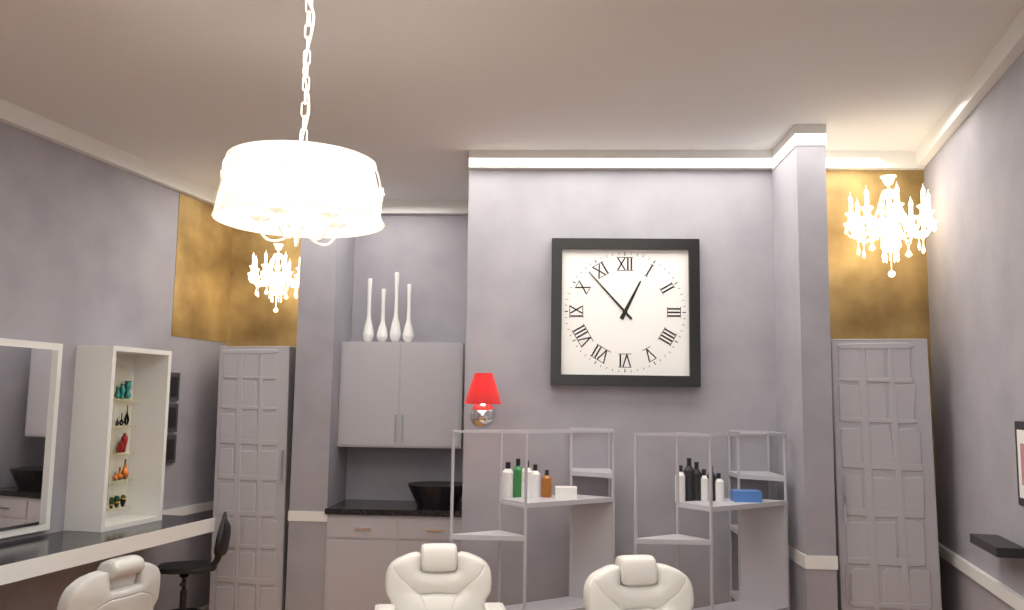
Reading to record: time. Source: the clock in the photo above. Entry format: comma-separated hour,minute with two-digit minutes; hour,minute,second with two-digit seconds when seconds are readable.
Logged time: 12,53
